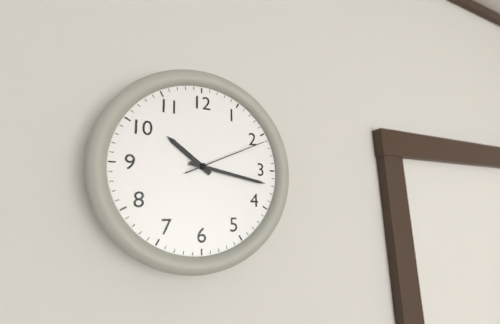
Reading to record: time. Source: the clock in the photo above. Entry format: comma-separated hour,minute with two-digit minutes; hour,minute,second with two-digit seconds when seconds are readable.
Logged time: 10,17,11
